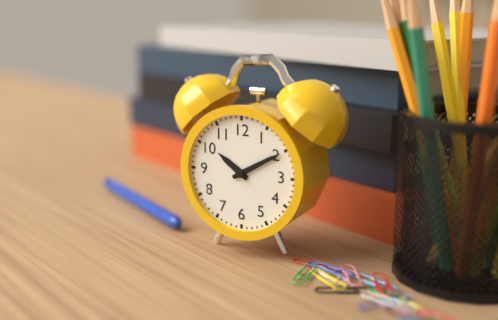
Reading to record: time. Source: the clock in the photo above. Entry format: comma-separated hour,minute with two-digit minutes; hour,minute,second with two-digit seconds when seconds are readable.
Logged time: 10,10
